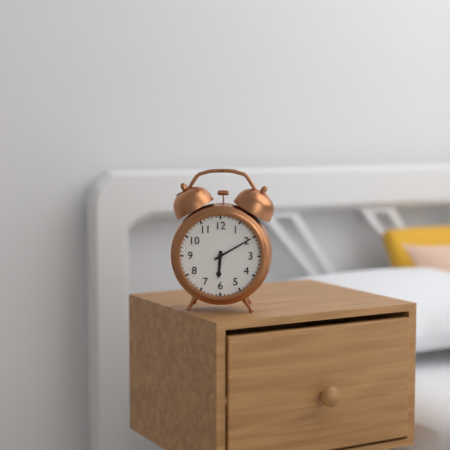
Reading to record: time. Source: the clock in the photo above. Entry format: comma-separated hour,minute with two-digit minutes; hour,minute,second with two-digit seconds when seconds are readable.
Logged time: 6,10
